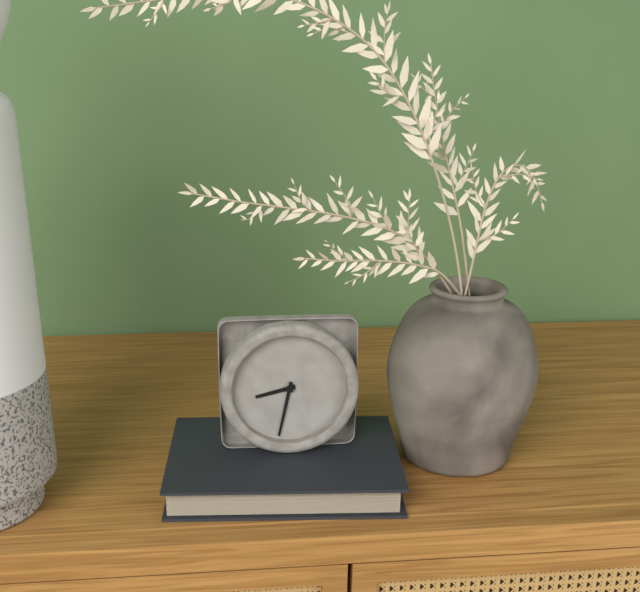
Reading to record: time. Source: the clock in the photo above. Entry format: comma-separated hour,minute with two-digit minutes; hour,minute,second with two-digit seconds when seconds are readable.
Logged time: 8,32
